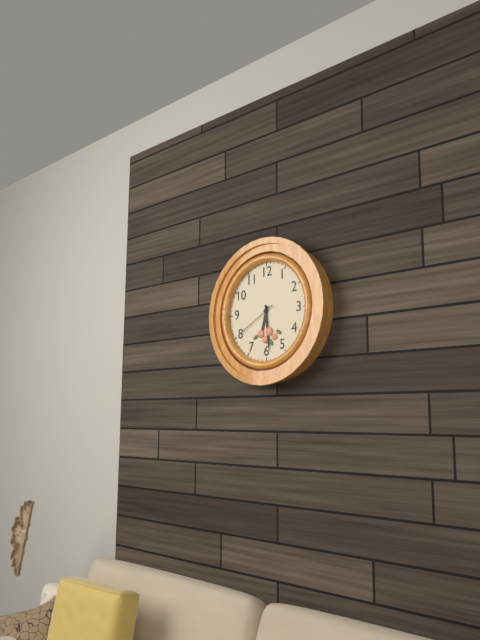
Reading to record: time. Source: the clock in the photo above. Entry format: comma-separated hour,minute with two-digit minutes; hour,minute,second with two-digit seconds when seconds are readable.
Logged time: 6,29
